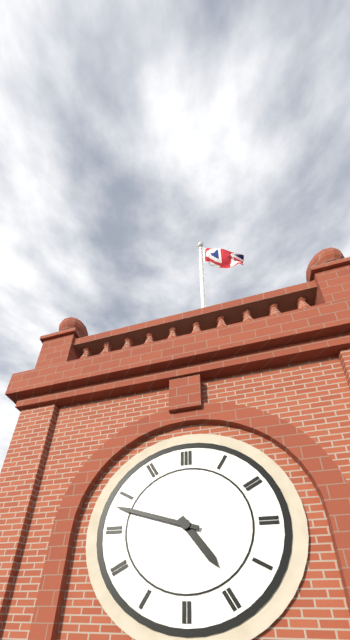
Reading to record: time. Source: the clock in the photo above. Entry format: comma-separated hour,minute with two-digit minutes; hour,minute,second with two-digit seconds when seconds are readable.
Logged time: 4,48
